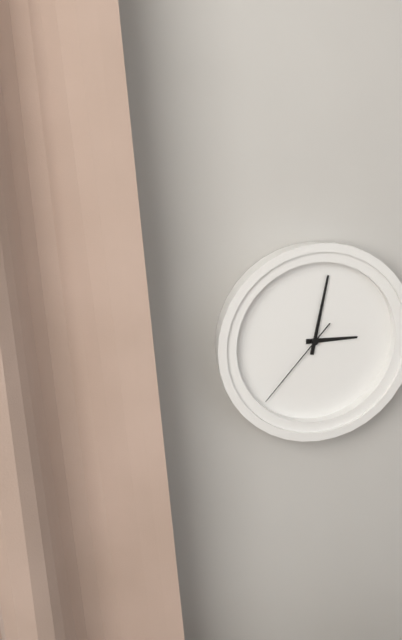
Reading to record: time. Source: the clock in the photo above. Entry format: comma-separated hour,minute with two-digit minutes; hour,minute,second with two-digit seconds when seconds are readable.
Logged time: 3,02,37
